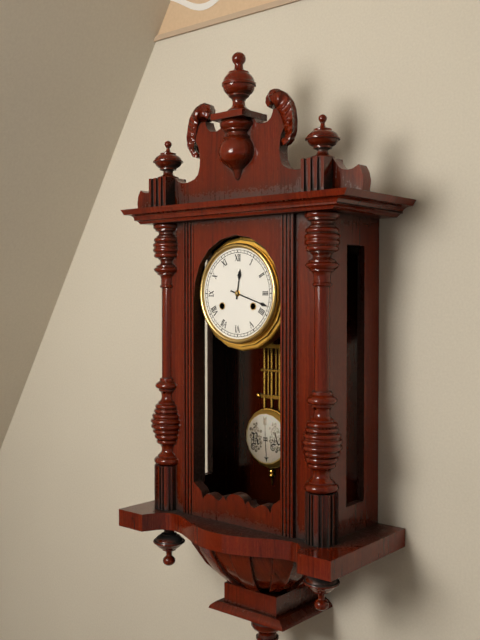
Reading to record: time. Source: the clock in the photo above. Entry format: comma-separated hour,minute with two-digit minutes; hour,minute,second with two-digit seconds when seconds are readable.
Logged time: 12,18
